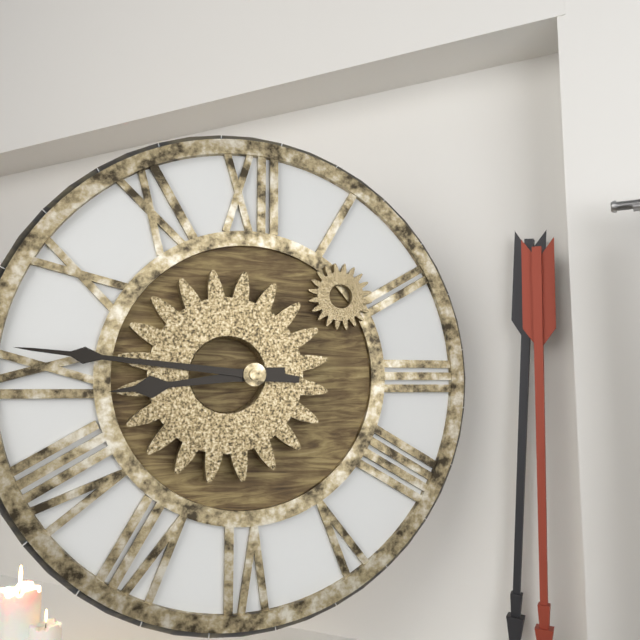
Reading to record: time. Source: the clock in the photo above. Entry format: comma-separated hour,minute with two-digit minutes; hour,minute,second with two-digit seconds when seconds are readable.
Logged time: 8,46
